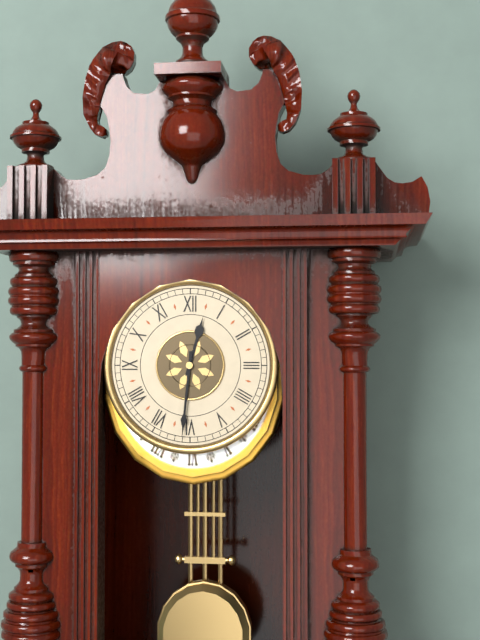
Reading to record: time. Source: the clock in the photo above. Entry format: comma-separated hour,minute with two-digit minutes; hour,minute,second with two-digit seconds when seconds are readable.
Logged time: 12,31
